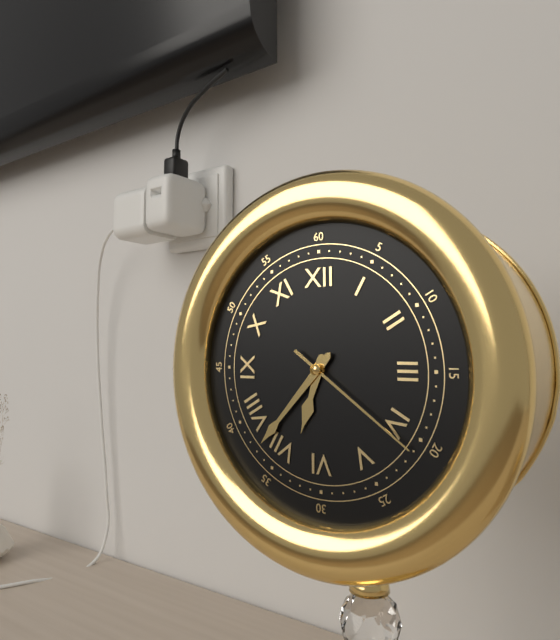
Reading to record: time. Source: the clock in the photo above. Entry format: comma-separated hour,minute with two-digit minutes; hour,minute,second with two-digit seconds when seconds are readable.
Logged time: 6,37,21
